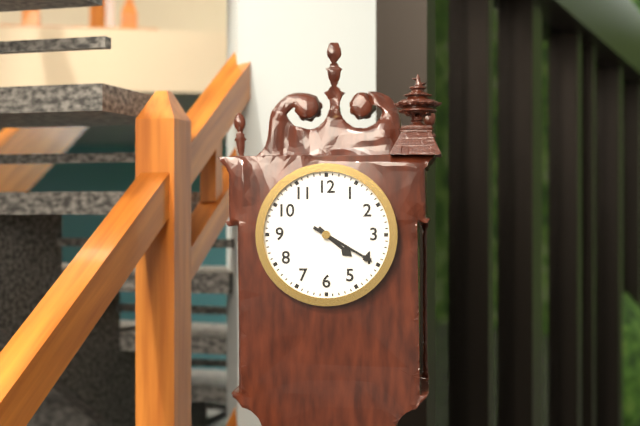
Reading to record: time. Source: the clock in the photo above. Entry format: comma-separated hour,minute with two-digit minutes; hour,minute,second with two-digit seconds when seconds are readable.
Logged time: 4,20
